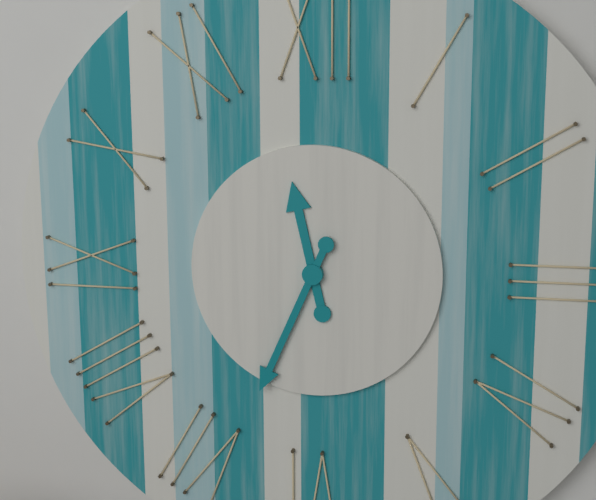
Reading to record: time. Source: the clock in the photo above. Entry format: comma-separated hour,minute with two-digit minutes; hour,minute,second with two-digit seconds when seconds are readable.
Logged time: 11,34
